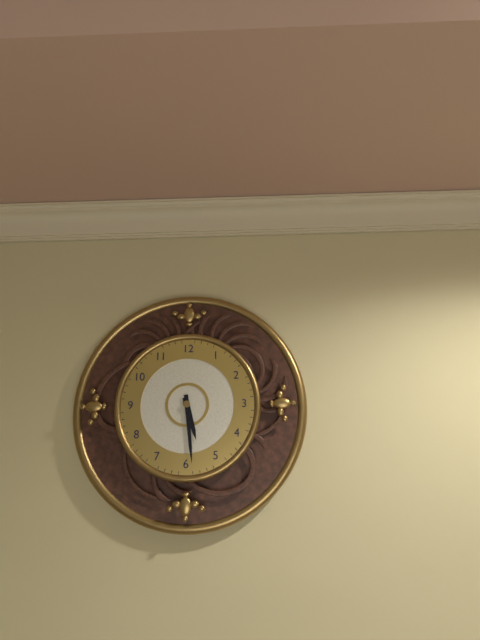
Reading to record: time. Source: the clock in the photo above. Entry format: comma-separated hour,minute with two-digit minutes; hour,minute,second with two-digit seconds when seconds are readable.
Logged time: 5,29
